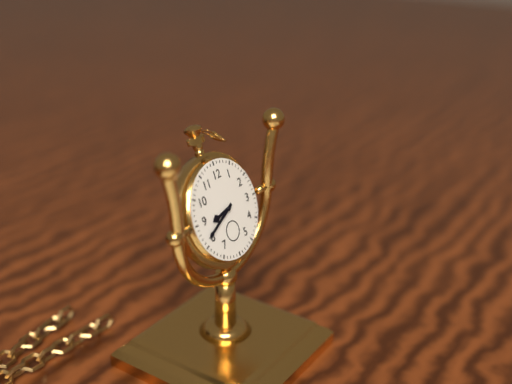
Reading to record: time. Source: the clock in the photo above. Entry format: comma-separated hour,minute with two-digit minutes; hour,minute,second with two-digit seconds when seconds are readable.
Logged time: 8,41
